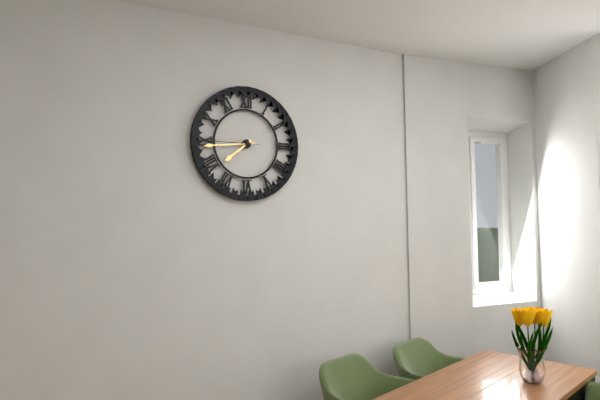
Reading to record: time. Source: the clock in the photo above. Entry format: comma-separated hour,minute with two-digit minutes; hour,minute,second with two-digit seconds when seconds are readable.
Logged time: 7,44,45
